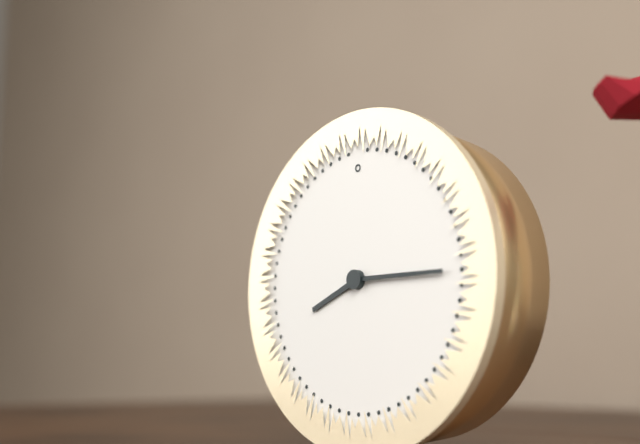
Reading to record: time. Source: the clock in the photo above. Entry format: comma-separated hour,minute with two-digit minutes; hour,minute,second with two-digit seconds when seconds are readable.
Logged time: 8,15
